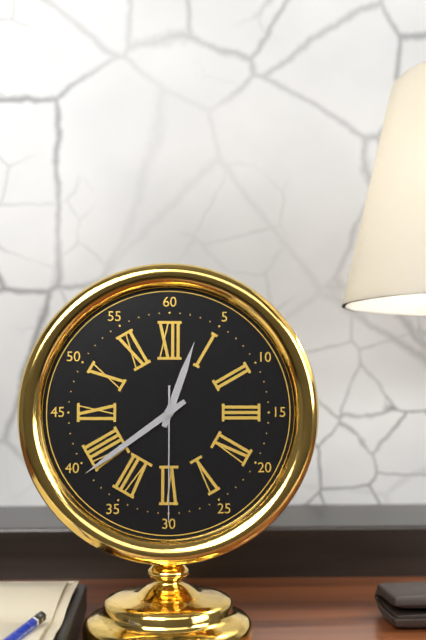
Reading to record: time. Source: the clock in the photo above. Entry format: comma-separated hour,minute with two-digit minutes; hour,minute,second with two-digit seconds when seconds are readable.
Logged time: 12,39,30
